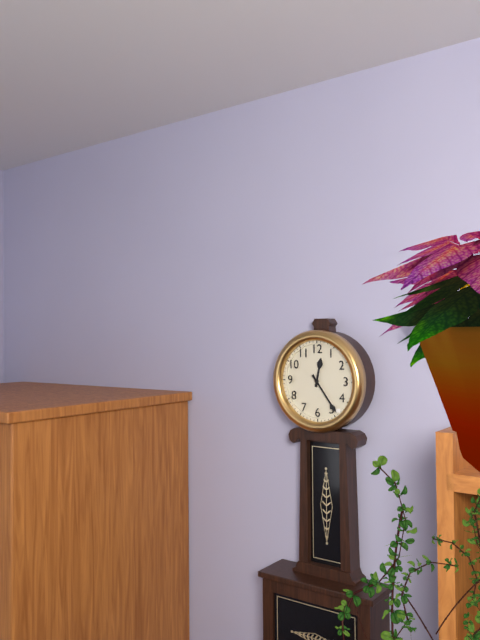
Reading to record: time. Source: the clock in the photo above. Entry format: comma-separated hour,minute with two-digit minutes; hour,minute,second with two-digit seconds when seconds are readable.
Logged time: 12,24
